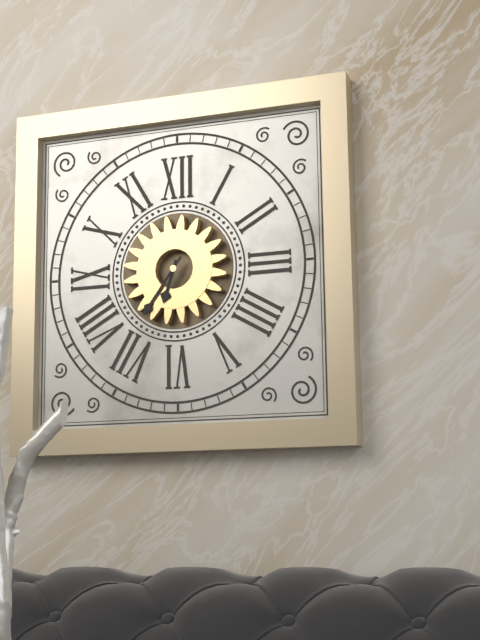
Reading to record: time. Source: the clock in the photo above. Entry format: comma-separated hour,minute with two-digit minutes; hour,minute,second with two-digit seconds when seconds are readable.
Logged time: 6,36
